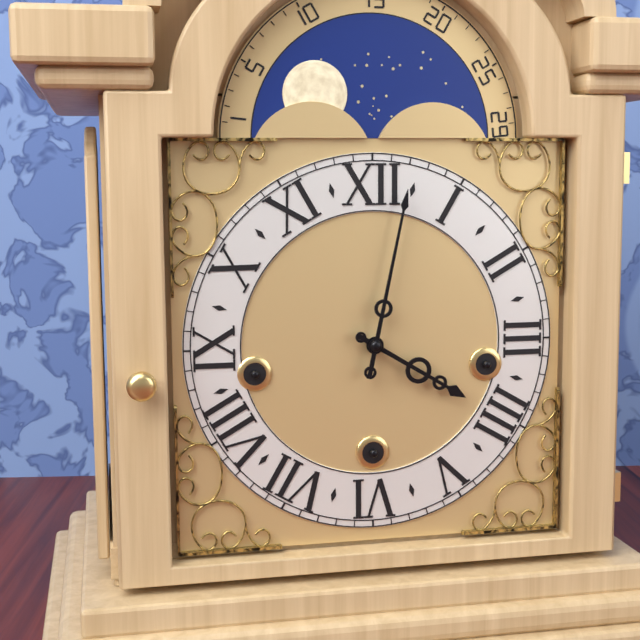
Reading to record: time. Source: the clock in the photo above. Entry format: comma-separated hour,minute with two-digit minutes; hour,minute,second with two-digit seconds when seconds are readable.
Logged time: 4,02
